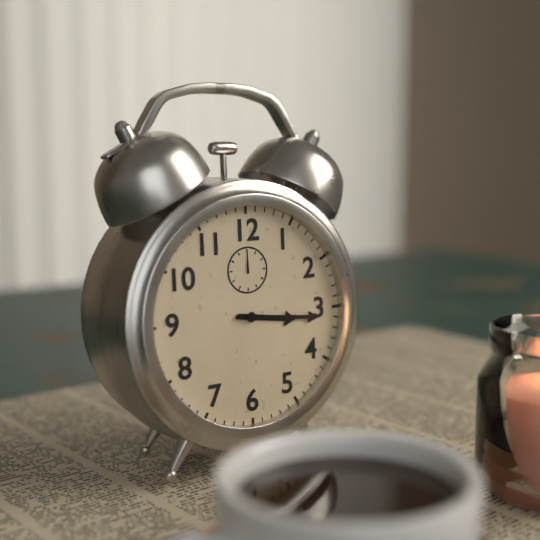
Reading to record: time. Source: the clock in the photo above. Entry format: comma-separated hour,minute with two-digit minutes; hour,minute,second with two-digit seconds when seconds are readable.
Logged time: 3,16
